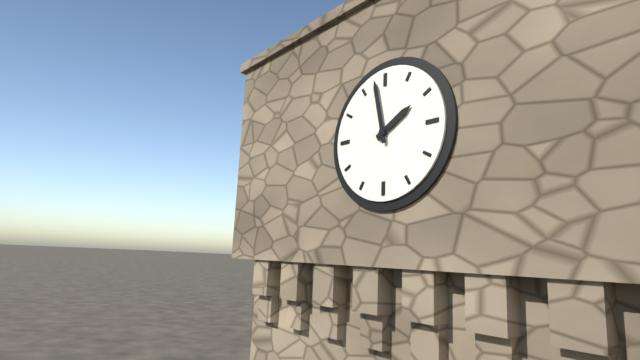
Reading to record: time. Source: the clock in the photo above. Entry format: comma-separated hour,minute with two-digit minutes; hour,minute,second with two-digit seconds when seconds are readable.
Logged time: 1,58
